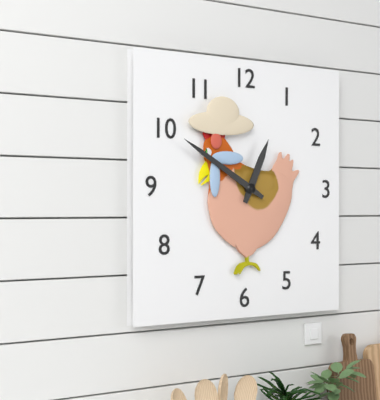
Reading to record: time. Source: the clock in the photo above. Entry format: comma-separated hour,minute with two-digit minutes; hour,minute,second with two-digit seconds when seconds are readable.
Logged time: 12,50
